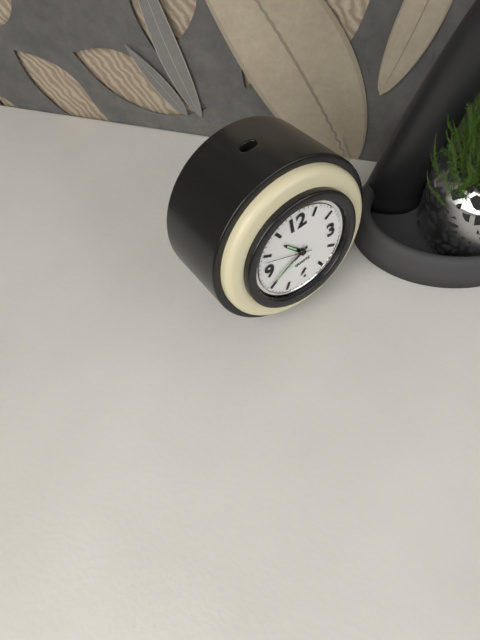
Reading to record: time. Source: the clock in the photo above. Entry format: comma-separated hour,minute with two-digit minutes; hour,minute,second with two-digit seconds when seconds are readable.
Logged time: 10,41,49
